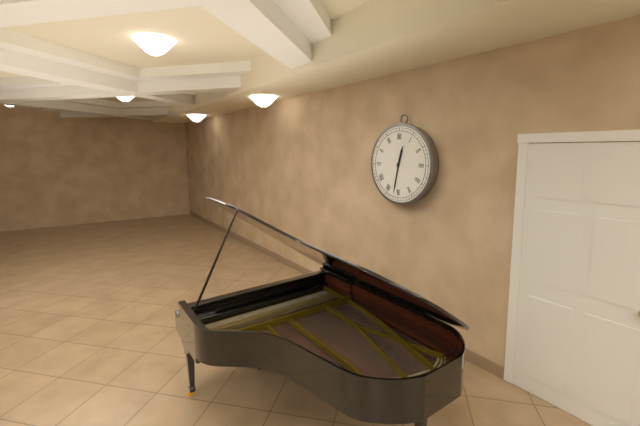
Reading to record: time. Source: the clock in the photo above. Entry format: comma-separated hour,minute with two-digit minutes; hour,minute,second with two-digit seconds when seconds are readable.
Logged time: 12,32
